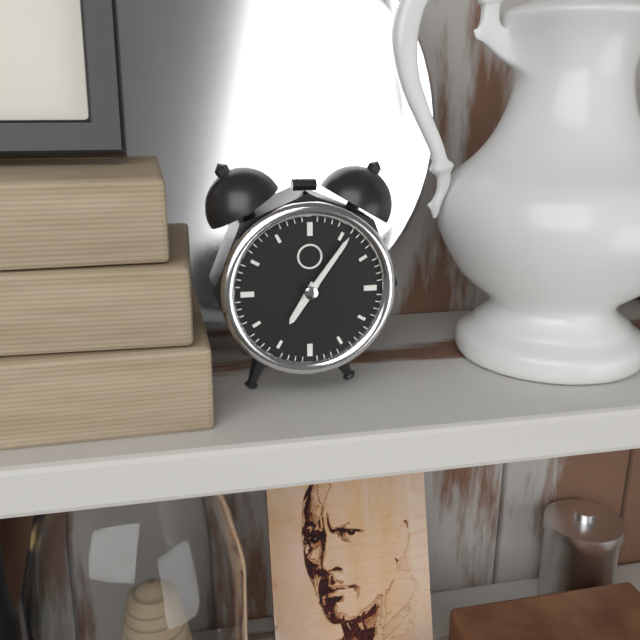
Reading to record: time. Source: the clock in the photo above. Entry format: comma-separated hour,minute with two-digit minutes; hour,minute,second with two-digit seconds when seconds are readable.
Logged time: 7,06
